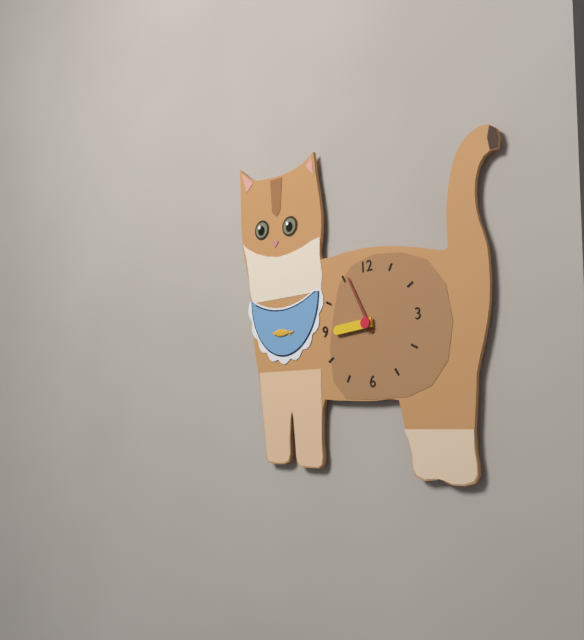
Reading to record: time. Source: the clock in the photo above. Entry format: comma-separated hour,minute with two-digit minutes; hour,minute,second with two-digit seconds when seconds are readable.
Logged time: 8,56
